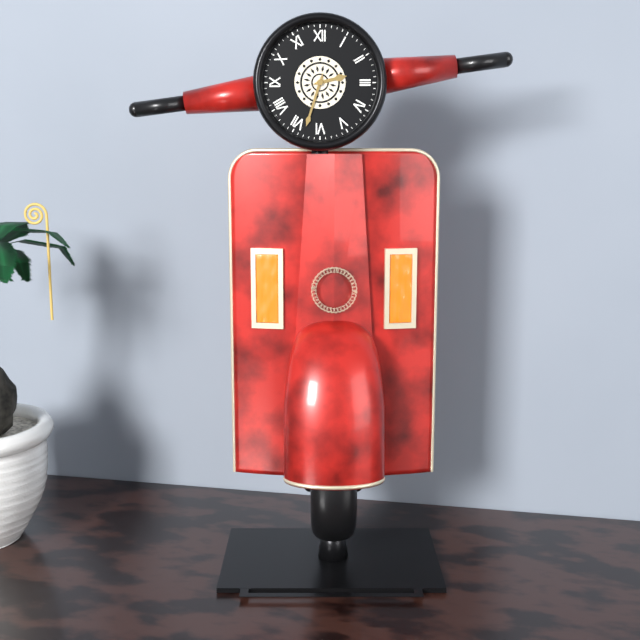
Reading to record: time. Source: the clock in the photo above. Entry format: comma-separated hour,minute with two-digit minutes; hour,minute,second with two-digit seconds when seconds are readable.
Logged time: 2,33
